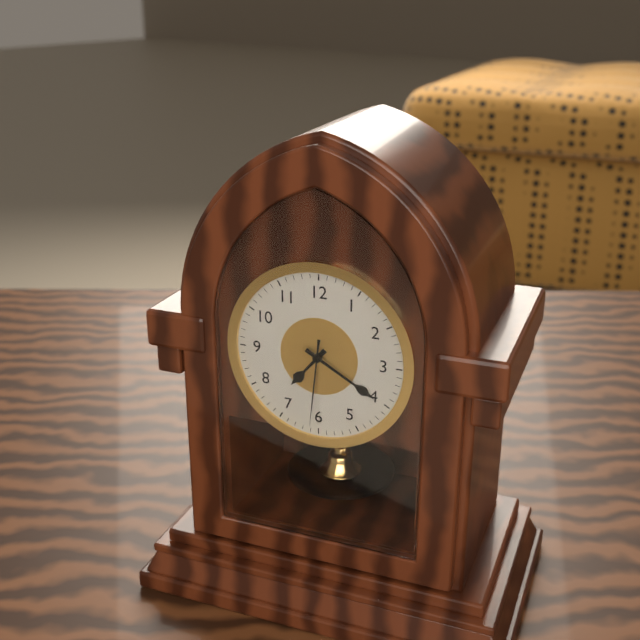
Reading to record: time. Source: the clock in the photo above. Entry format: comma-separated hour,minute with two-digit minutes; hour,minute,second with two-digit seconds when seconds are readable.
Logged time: 7,20,31
